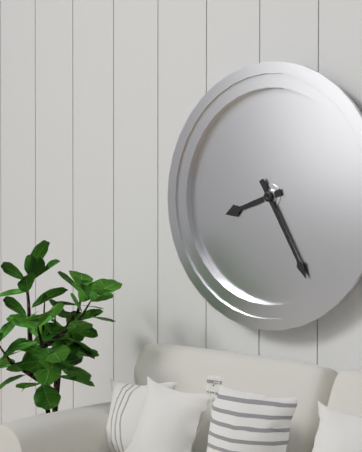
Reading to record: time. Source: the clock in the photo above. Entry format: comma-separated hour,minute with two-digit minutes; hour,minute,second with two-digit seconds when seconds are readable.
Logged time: 8,25
